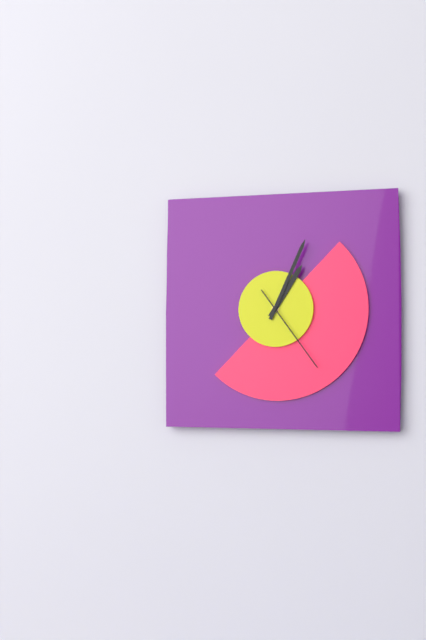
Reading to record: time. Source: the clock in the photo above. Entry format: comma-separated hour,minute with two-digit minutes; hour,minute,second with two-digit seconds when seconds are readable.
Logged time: 1,04,24
